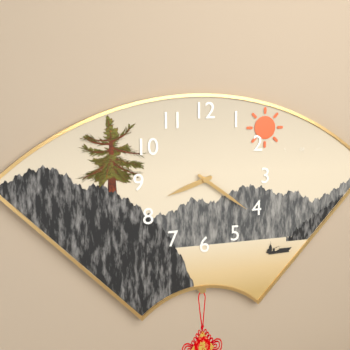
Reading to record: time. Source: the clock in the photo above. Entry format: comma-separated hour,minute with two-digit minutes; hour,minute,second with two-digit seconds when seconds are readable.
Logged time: 8,21
